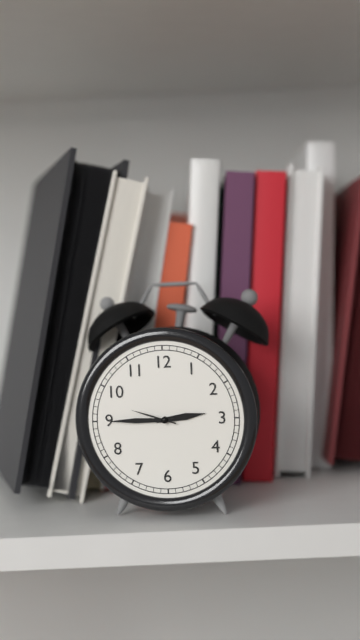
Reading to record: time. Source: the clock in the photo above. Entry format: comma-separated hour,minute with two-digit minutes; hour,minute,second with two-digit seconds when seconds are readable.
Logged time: 2,45
